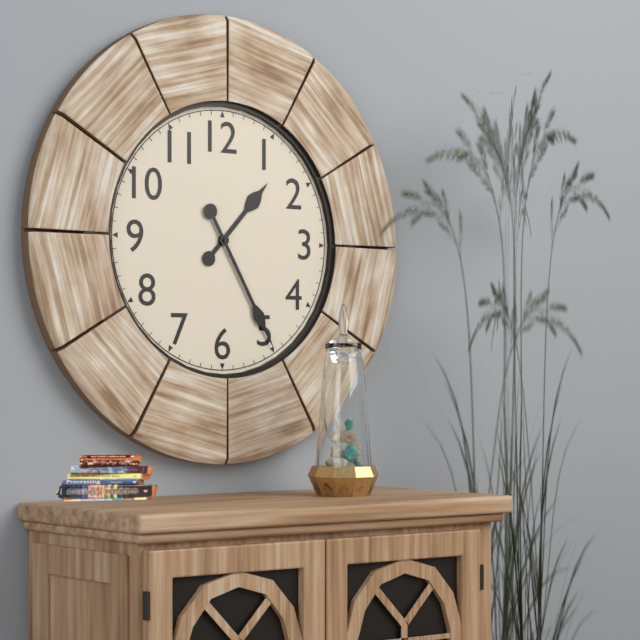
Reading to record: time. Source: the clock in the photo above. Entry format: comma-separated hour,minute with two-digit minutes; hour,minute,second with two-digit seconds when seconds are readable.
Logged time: 1,25
